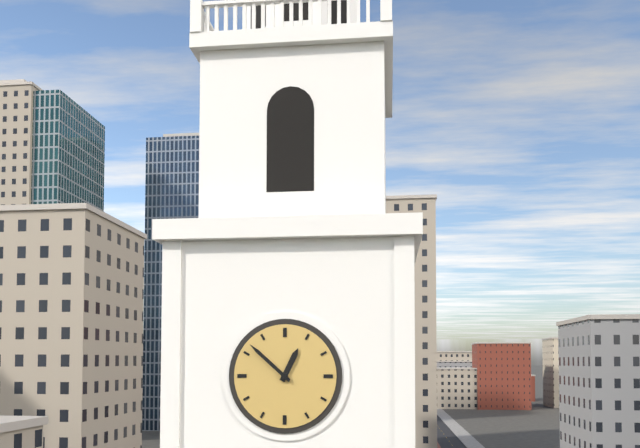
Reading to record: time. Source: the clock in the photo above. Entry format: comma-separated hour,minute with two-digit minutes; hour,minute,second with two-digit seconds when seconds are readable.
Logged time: 12,52
